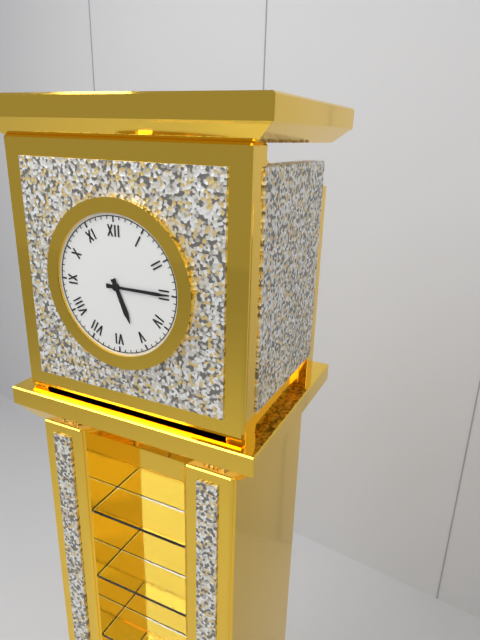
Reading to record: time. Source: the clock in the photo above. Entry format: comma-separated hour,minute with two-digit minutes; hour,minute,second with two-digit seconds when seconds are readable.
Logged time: 5,15
